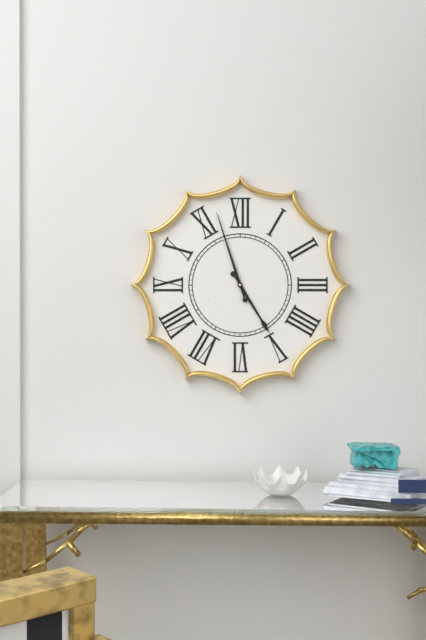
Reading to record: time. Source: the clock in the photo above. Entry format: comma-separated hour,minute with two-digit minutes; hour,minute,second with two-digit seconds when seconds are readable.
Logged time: 4,57
